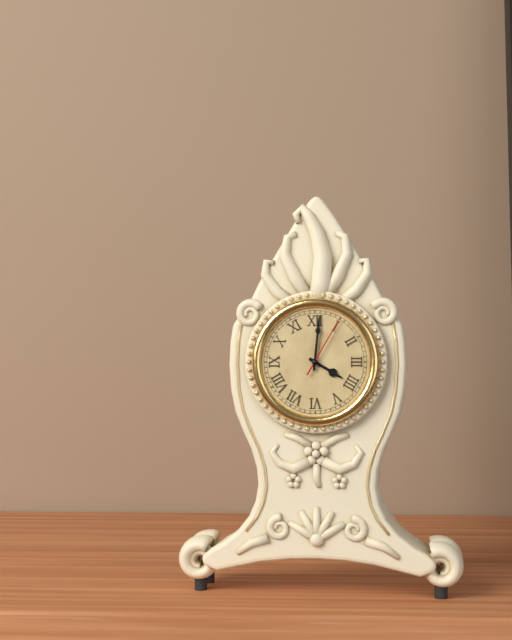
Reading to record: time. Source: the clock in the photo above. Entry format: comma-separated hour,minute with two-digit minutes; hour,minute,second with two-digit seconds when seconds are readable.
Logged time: 4,01,05
